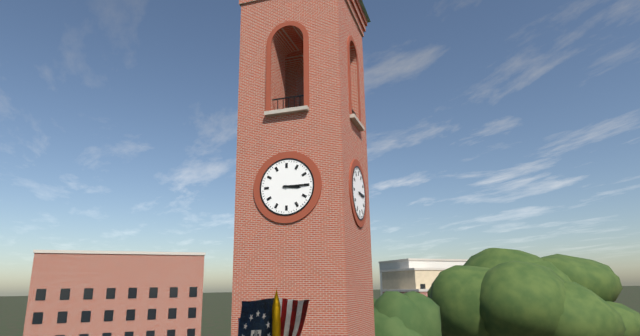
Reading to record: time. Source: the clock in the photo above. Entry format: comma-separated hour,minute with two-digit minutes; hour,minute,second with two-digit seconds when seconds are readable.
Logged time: 3,15
